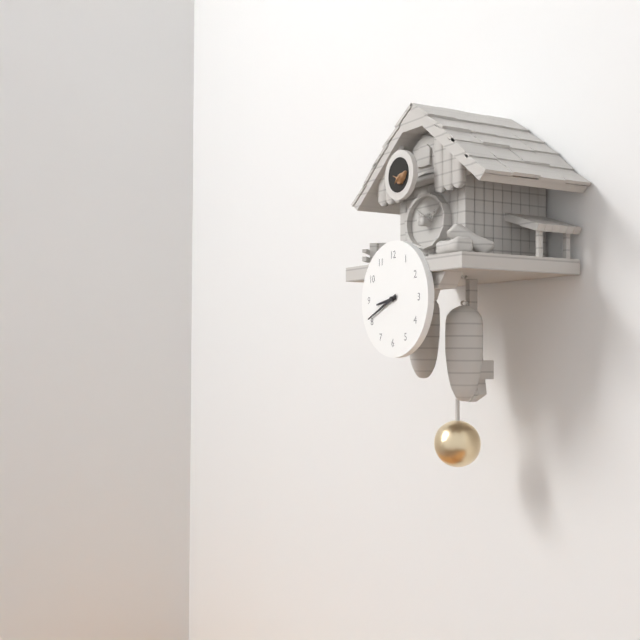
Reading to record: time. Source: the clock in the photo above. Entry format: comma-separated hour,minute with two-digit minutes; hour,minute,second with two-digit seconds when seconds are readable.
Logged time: 8,41
